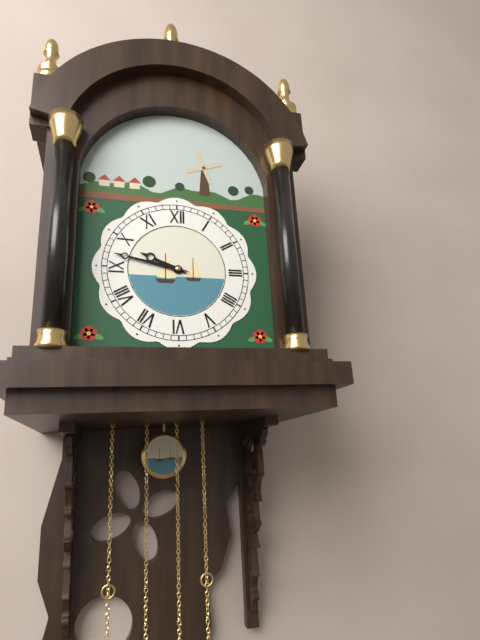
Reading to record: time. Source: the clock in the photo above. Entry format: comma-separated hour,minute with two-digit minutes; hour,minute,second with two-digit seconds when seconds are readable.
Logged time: 9,47
